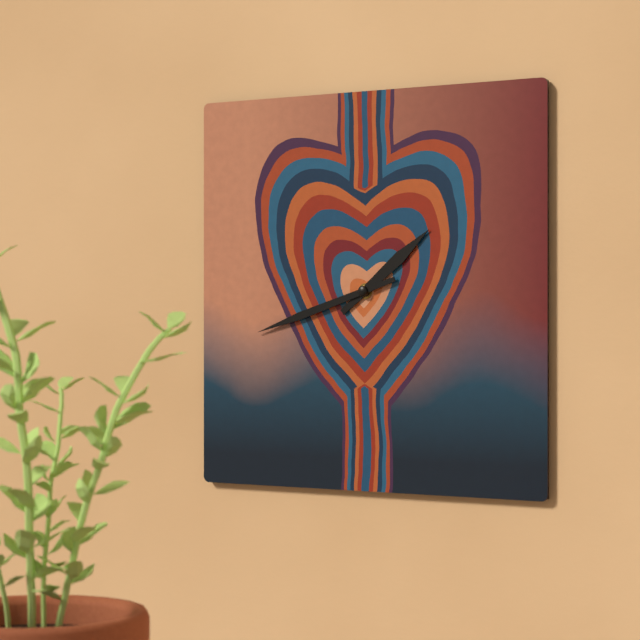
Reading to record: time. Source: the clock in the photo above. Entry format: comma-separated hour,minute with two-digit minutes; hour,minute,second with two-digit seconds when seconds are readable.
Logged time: 1,42
